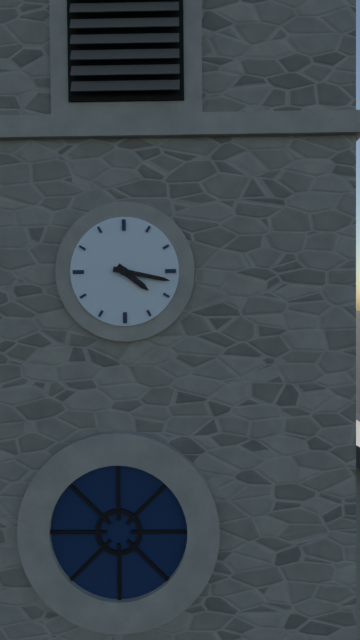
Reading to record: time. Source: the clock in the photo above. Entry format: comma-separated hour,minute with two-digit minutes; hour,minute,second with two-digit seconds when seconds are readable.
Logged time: 4,17
